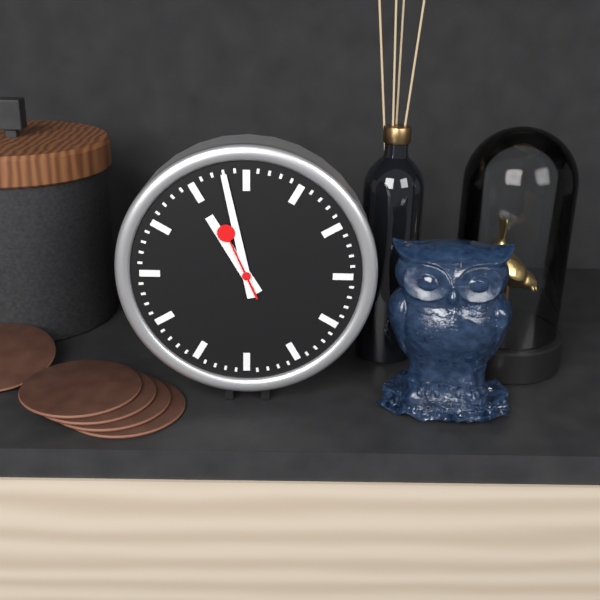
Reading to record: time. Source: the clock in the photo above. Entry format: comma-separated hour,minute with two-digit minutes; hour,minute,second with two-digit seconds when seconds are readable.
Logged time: 10,58,56
